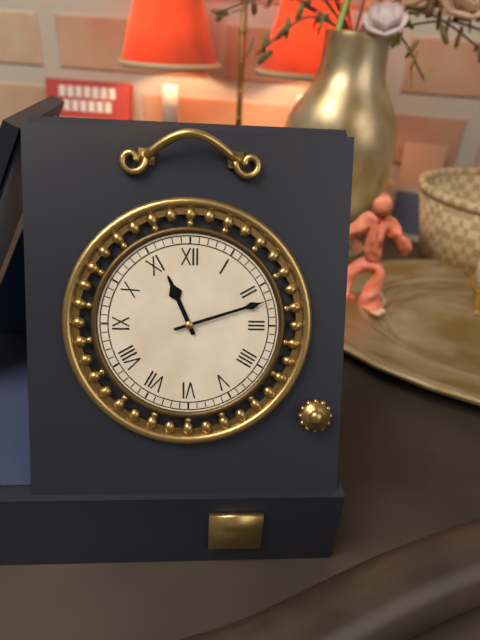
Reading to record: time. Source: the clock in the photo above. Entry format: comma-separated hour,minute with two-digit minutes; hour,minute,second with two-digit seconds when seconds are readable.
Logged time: 11,12
